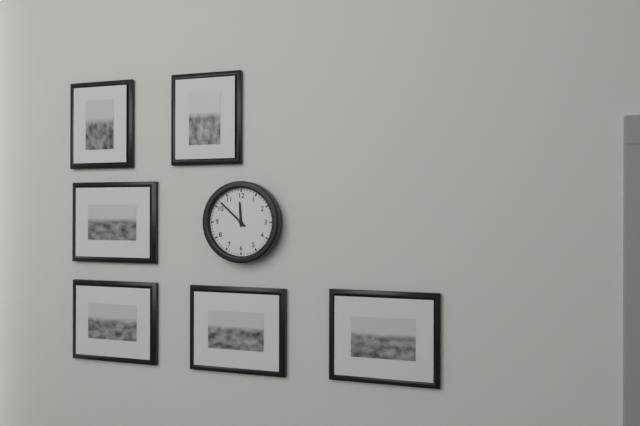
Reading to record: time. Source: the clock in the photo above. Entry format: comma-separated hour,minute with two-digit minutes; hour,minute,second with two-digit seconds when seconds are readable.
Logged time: 11,52
